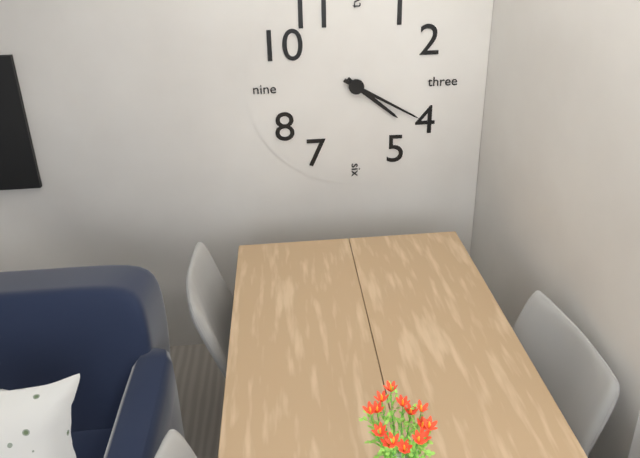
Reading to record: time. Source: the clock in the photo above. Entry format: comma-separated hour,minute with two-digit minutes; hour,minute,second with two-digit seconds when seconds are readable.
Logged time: 4,20
